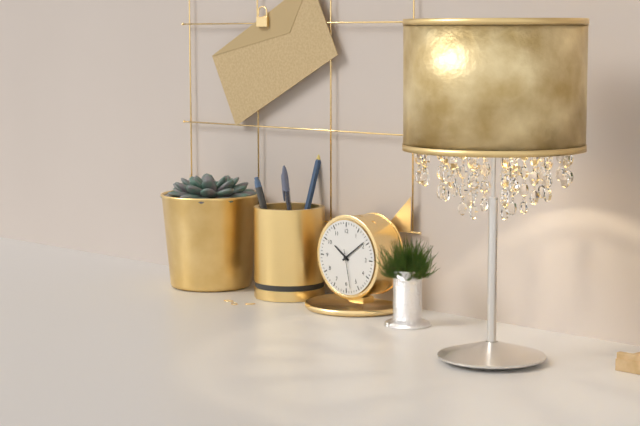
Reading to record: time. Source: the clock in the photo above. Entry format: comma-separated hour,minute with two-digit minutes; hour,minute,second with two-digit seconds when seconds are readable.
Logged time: 10,09
